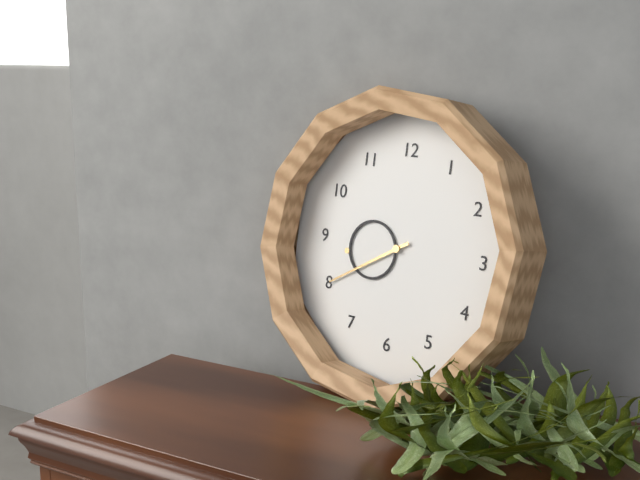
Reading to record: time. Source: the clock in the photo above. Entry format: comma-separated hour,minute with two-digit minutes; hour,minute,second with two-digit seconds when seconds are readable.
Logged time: 8,40
